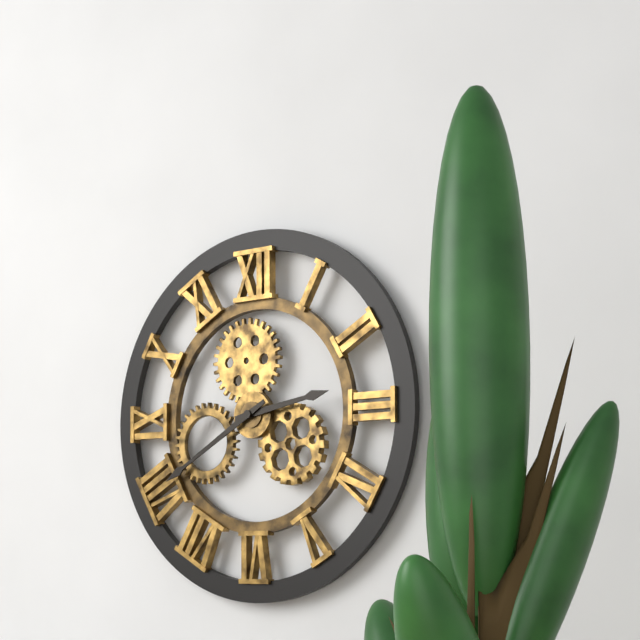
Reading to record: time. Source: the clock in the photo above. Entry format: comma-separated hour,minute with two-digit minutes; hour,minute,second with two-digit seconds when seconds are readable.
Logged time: 2,40
